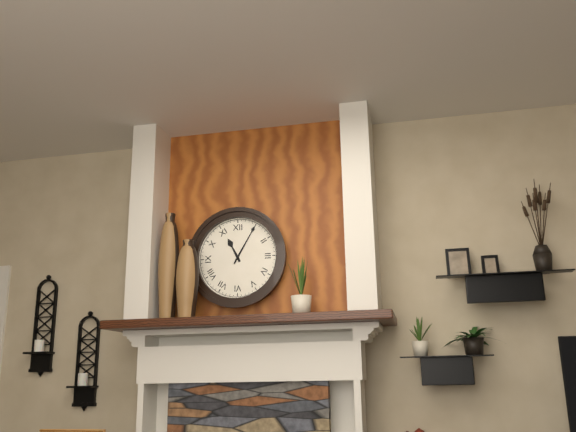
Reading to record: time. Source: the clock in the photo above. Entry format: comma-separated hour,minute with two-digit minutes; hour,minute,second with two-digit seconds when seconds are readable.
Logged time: 11,05
